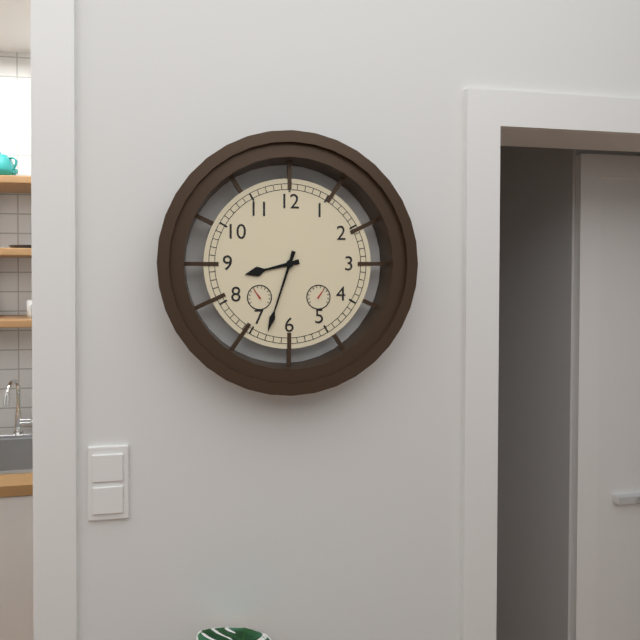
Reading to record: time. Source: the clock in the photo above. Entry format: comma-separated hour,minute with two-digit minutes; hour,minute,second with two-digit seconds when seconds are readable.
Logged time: 8,33
